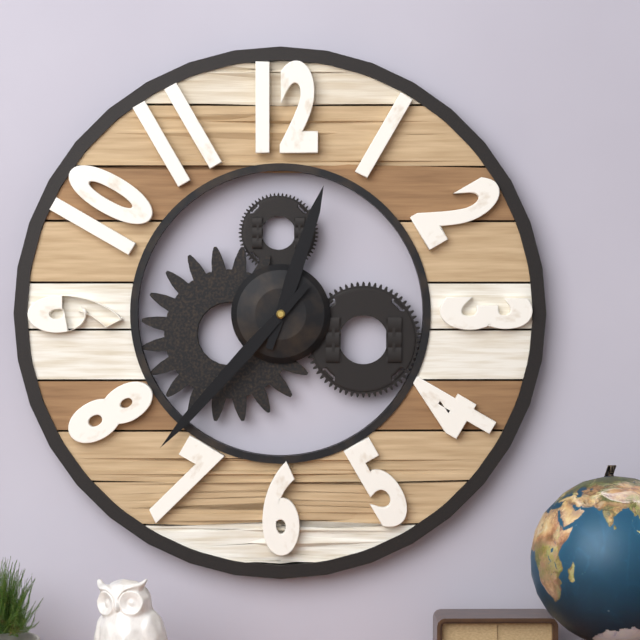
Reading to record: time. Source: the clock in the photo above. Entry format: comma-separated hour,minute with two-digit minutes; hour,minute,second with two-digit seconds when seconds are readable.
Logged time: 12,37
